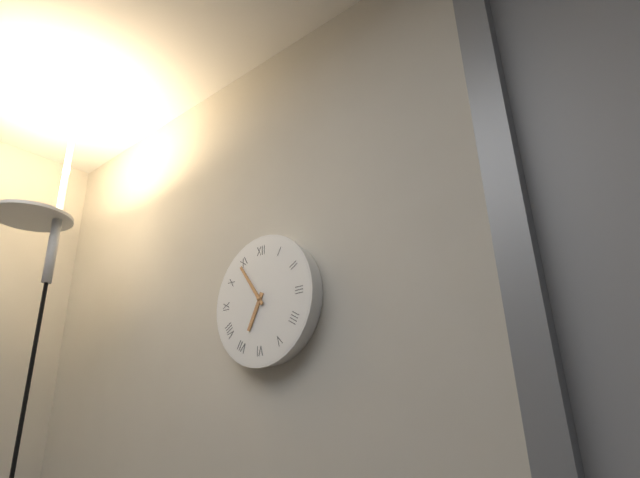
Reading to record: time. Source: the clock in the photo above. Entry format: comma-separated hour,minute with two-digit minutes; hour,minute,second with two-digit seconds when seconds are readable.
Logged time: 6,54
